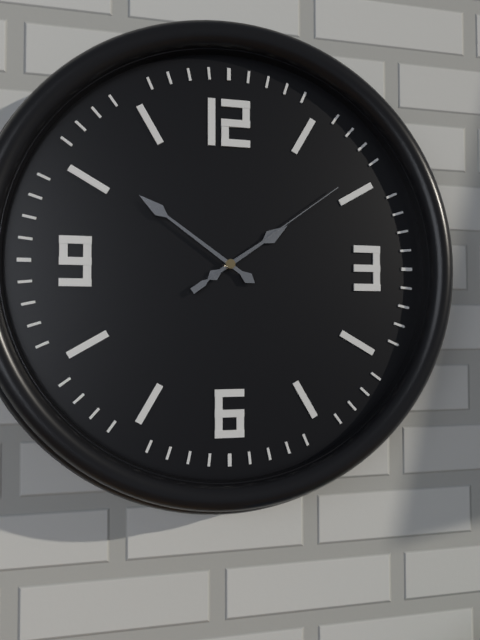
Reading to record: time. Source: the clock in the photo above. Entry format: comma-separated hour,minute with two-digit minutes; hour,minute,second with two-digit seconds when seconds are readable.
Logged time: 1,51,09
